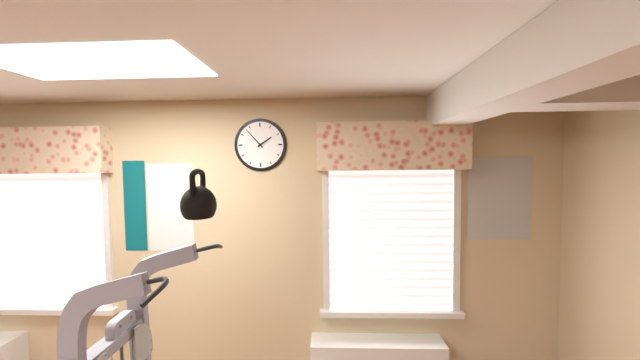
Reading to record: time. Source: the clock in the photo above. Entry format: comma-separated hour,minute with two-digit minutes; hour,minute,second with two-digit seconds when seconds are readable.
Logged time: 1,53
